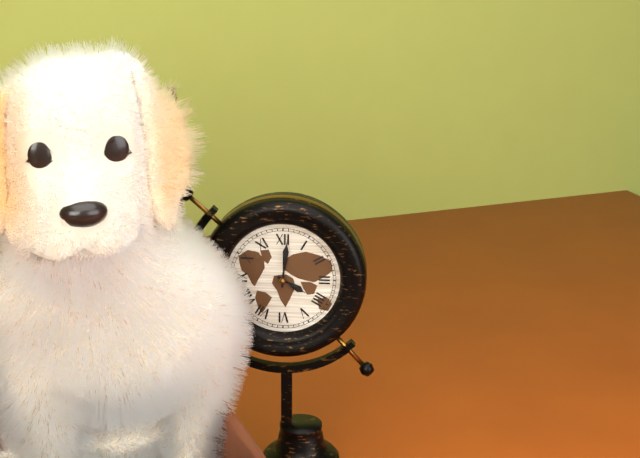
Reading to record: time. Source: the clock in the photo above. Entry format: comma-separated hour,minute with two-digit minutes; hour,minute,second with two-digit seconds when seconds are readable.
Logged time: 4,01
